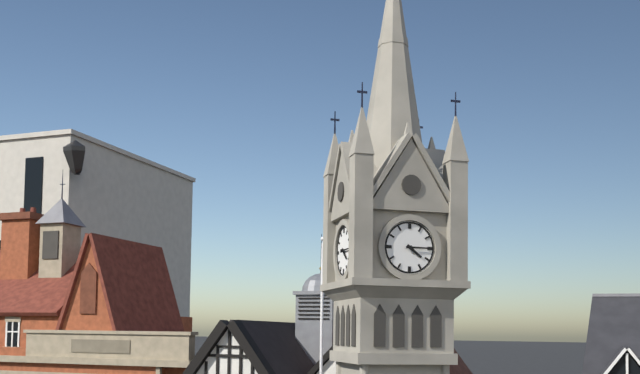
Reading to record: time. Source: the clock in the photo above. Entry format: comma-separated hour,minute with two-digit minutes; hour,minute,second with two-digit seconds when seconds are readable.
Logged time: 4,15
